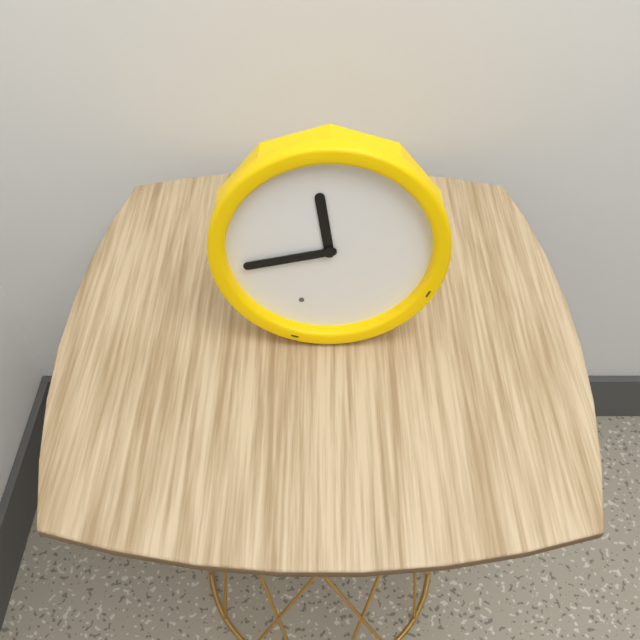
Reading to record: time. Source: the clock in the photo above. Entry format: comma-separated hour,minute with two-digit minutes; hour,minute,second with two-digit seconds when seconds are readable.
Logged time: 11,43
